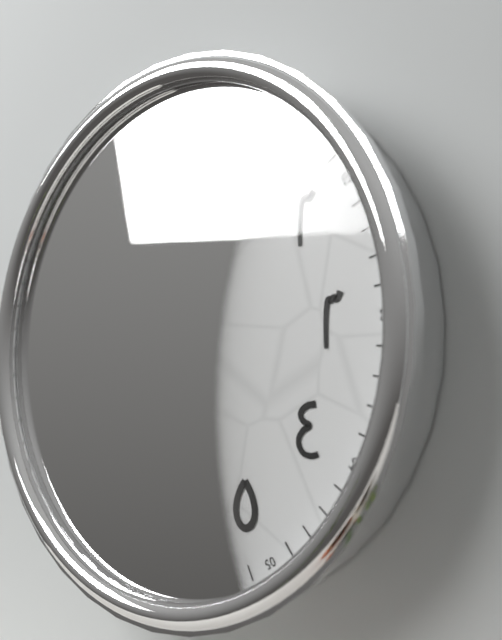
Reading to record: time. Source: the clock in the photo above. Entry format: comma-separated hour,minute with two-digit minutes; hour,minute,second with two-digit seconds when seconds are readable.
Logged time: 11,53
